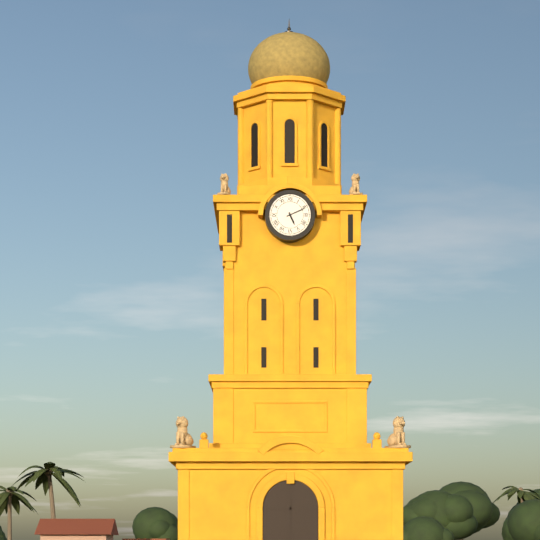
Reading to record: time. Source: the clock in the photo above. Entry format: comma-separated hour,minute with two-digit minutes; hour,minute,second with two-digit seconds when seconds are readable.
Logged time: 5,11
